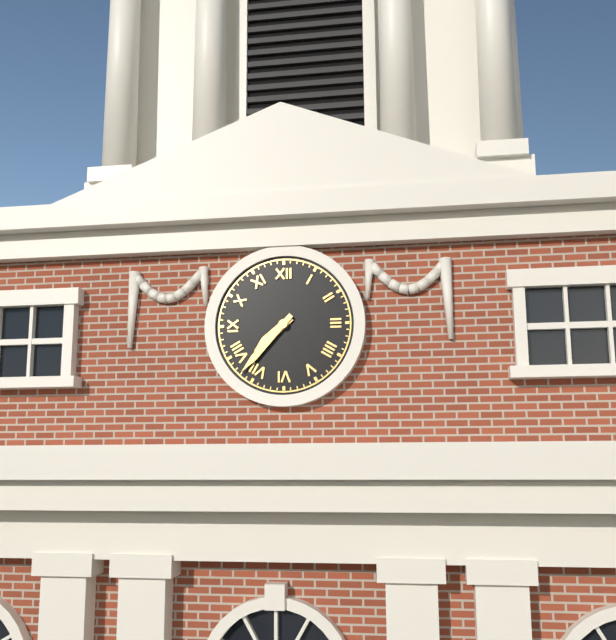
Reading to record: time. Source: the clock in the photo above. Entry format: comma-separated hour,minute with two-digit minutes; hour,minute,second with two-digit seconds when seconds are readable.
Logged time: 7,37
